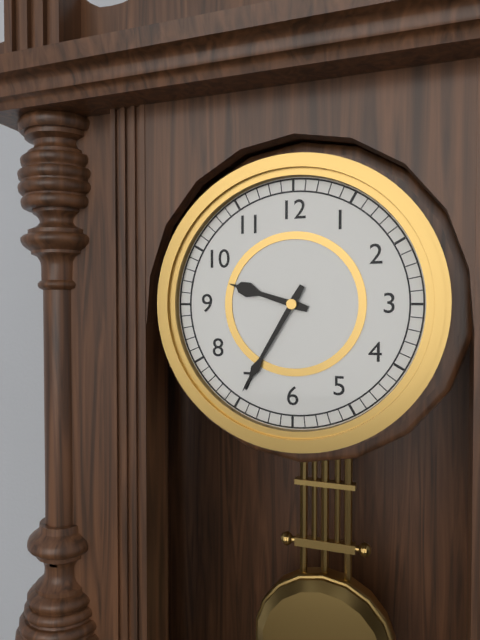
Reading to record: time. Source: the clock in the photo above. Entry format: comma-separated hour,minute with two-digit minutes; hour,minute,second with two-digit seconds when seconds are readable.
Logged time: 9,35
